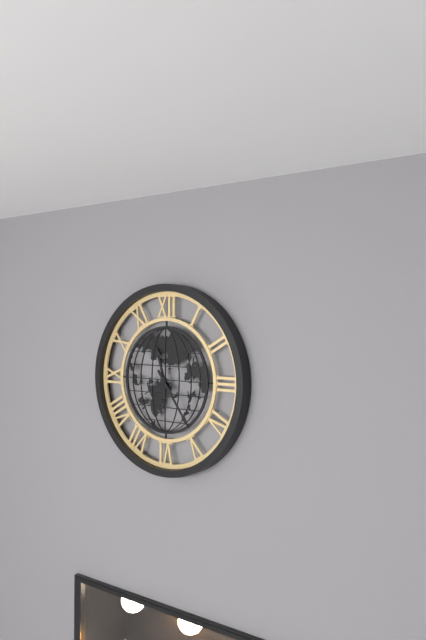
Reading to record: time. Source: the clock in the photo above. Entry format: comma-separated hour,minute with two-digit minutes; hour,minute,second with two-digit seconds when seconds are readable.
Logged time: 11,24
